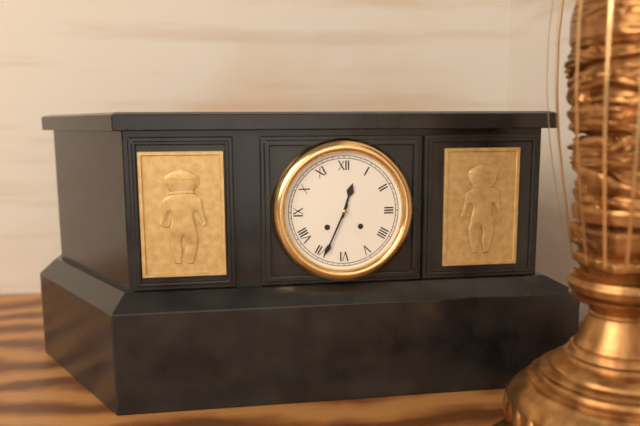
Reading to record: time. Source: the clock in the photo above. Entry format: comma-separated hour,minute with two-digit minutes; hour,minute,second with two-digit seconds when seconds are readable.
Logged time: 12,34
